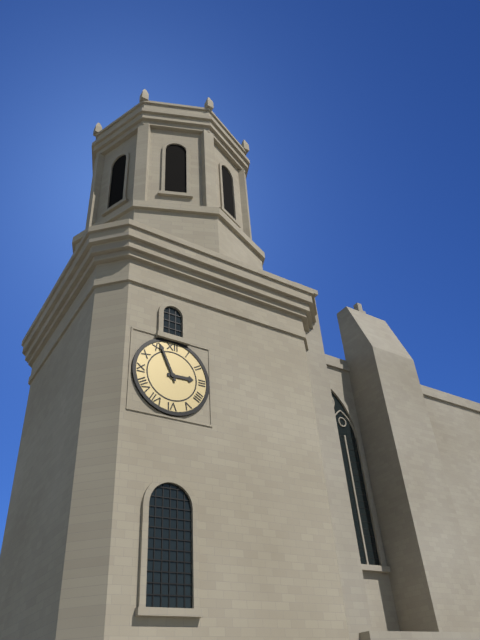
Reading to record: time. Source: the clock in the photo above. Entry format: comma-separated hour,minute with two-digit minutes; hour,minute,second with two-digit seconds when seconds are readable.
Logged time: 2,56
